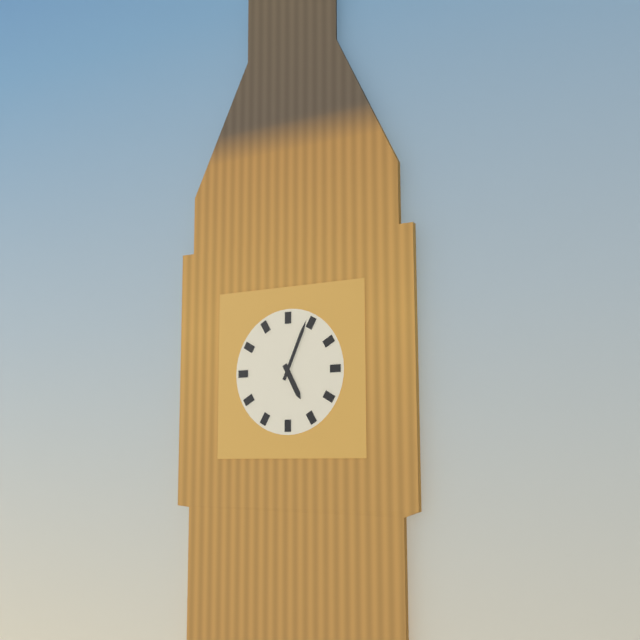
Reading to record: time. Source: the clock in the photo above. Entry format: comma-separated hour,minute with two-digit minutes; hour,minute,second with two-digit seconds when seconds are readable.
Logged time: 5,04
